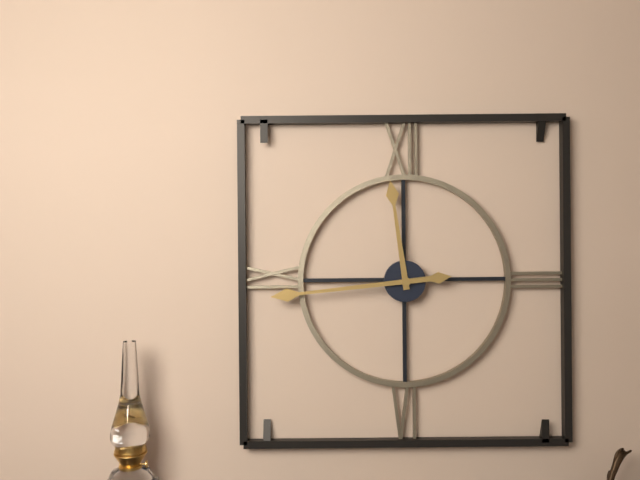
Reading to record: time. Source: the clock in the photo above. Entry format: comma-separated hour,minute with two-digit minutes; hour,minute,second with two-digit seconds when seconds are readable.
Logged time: 11,44
